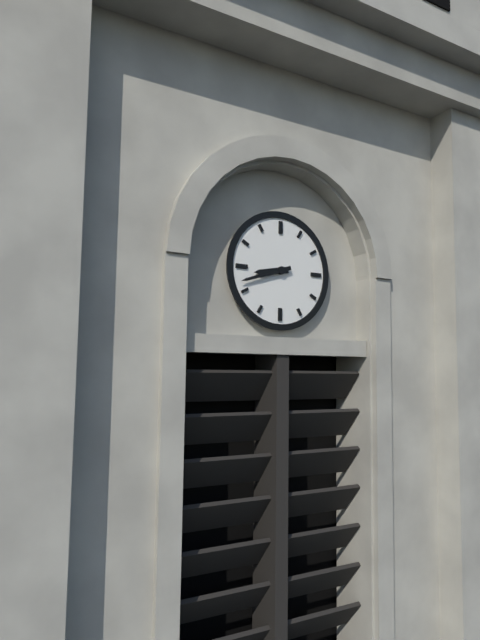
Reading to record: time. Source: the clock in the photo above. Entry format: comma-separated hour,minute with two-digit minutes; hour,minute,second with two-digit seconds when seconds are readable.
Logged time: 8,42
